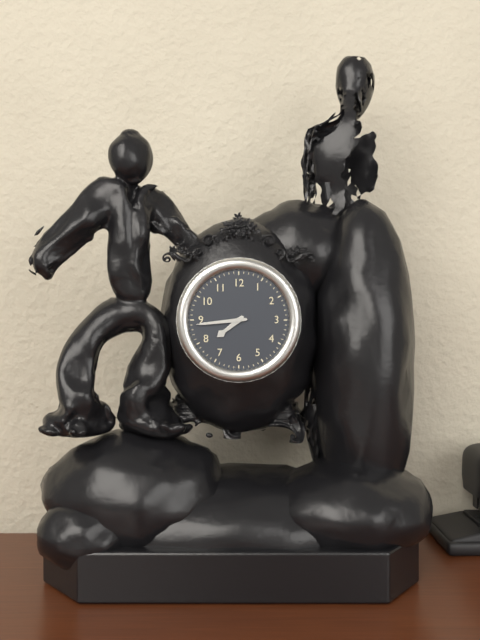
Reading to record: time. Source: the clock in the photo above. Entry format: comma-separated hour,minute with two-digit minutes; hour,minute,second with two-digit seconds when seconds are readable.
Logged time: 7,44
